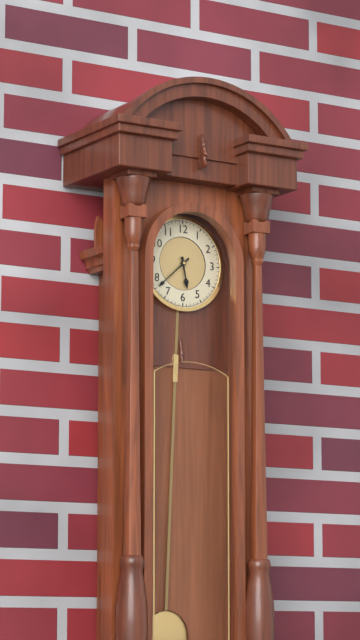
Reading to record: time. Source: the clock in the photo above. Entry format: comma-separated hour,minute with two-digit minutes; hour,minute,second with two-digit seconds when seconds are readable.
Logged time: 5,38
